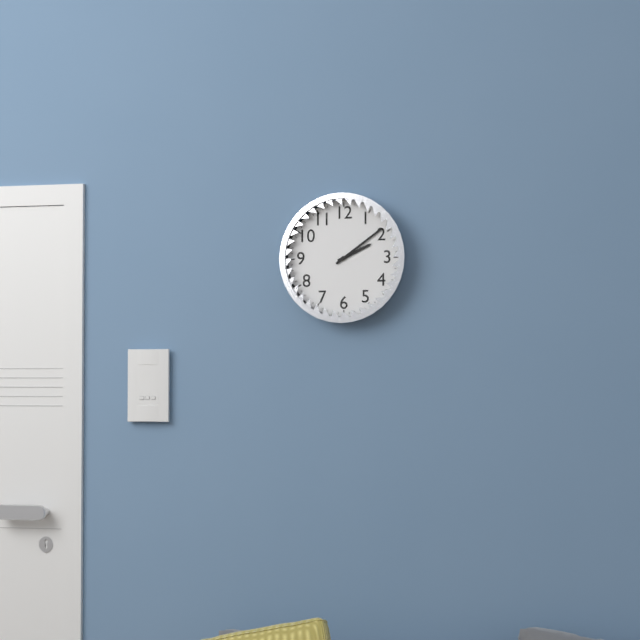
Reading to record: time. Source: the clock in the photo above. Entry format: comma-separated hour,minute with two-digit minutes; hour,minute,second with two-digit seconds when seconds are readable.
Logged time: 2,09
